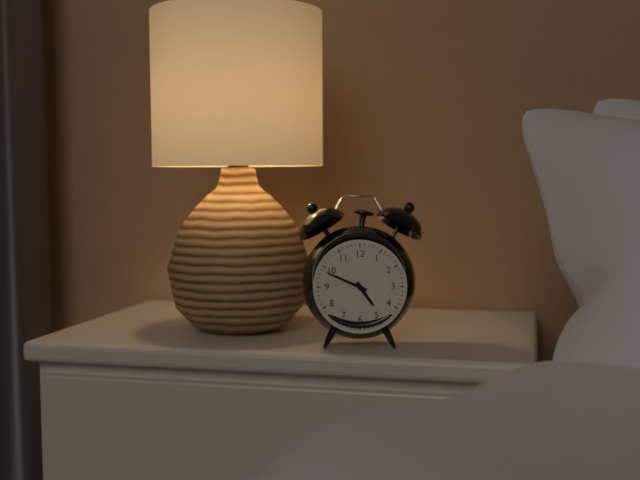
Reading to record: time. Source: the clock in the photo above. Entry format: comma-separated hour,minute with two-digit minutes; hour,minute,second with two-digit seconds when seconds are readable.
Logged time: 4,49
